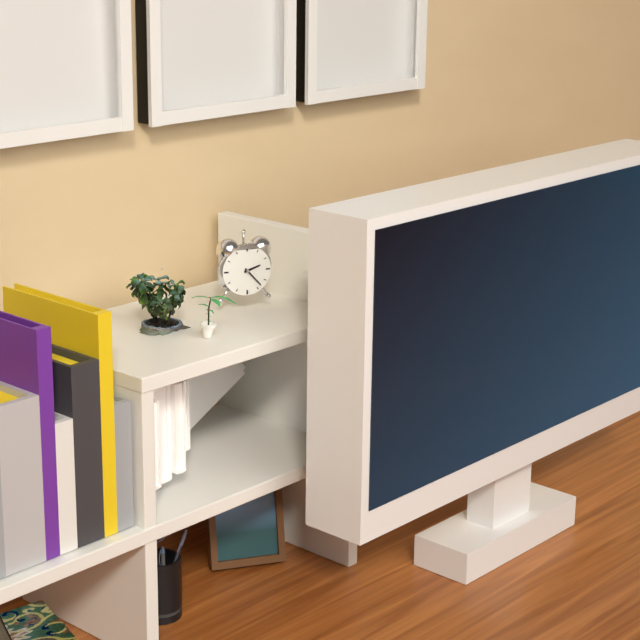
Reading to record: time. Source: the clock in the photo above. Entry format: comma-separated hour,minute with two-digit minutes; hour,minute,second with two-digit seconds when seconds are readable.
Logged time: 2,23
